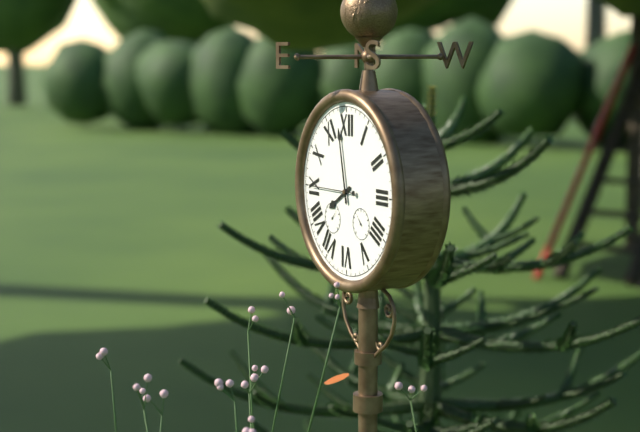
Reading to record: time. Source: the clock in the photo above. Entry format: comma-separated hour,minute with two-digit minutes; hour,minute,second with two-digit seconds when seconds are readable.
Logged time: 7,58
